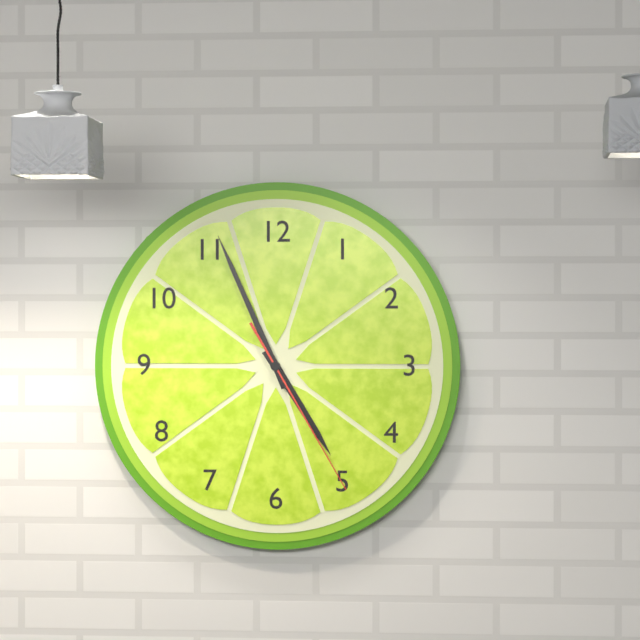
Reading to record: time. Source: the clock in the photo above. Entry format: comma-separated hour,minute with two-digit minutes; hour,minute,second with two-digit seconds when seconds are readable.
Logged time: 4,56,25
